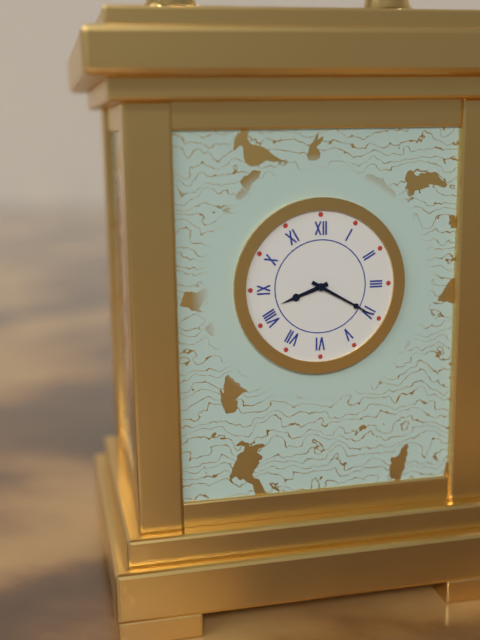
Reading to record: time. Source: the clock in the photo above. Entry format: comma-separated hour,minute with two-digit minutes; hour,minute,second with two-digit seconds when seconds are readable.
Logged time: 8,20
